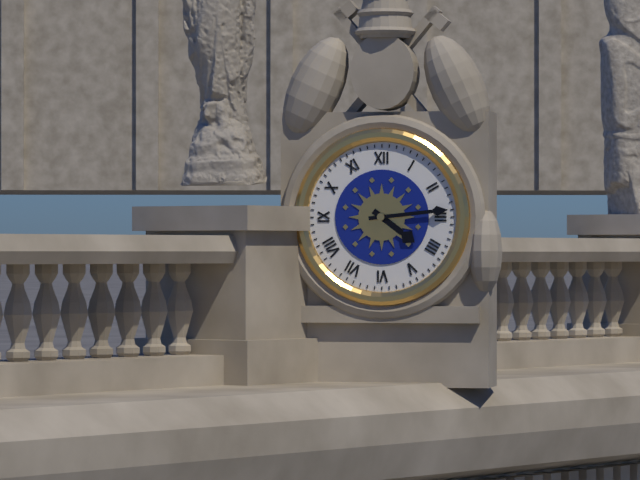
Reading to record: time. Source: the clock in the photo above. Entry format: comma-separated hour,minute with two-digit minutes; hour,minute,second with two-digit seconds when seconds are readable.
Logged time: 4,14
